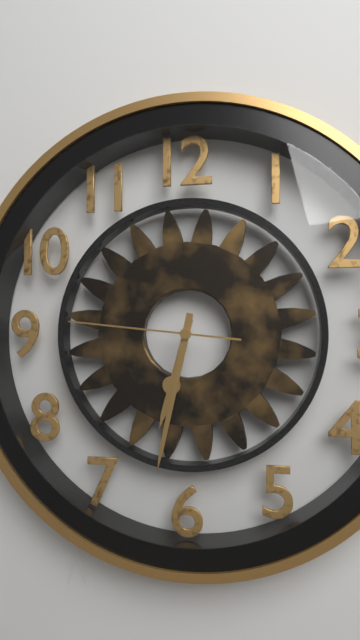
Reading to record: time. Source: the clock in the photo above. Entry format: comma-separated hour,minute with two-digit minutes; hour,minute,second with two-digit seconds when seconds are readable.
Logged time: 6,32,46
